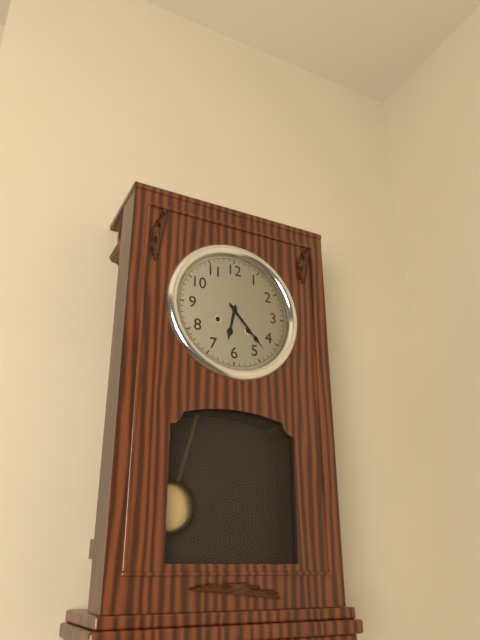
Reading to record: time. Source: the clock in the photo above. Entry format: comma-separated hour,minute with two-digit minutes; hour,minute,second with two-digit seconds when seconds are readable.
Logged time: 6,23
